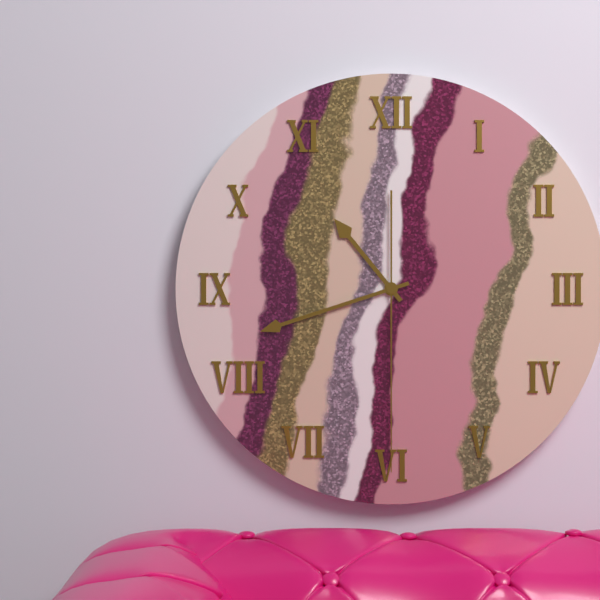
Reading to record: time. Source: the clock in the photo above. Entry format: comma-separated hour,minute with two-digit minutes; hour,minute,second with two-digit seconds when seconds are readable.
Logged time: 10,42,30
